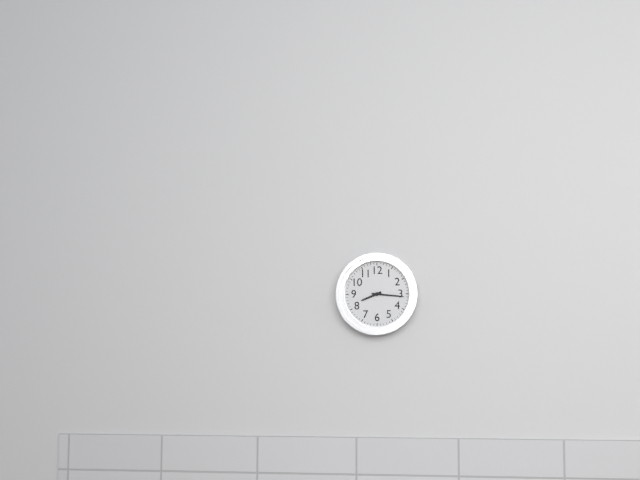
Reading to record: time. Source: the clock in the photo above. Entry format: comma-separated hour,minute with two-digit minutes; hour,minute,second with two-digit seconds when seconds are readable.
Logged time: 8,16
